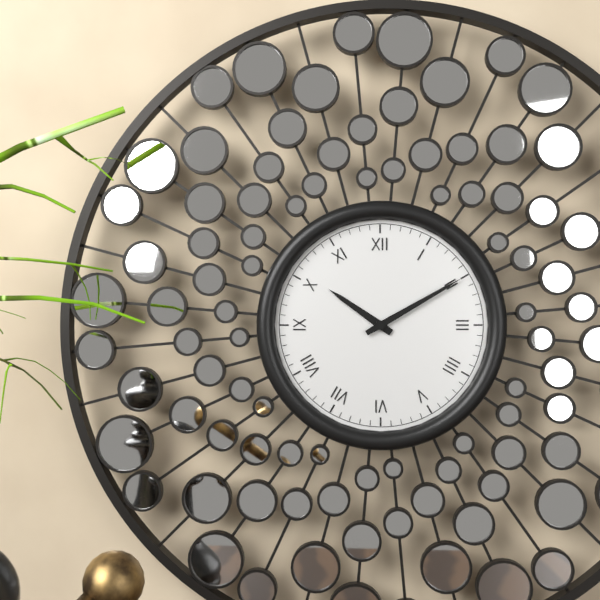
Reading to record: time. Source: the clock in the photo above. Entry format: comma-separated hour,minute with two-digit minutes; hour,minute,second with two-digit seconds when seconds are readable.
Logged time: 10,10
